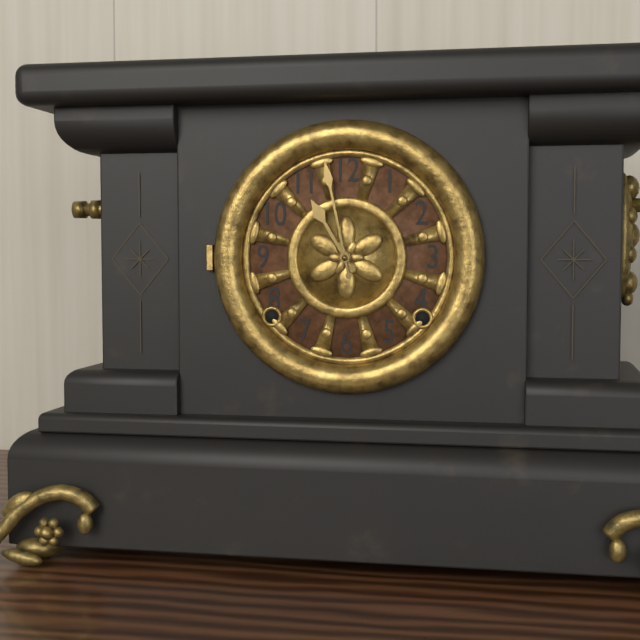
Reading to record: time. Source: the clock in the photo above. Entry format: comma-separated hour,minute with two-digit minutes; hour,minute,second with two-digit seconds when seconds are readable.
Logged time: 10,58
